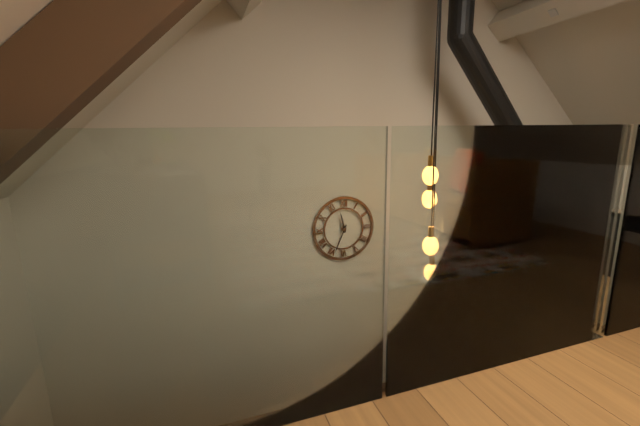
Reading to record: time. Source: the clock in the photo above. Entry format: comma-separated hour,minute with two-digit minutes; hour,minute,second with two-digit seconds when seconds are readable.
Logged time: 11,34
